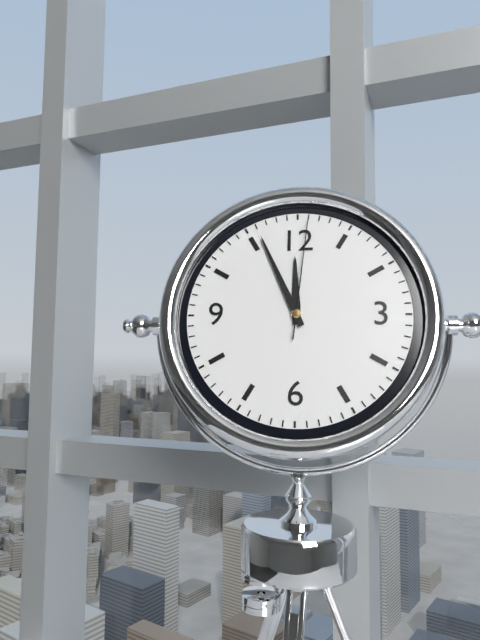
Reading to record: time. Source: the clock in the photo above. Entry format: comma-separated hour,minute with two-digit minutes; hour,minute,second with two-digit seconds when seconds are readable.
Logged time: 11,56,01
